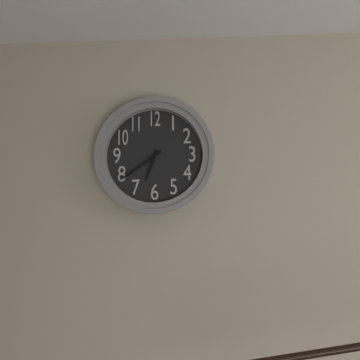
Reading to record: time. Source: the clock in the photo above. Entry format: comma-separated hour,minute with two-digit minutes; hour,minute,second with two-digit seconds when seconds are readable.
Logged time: 6,39
